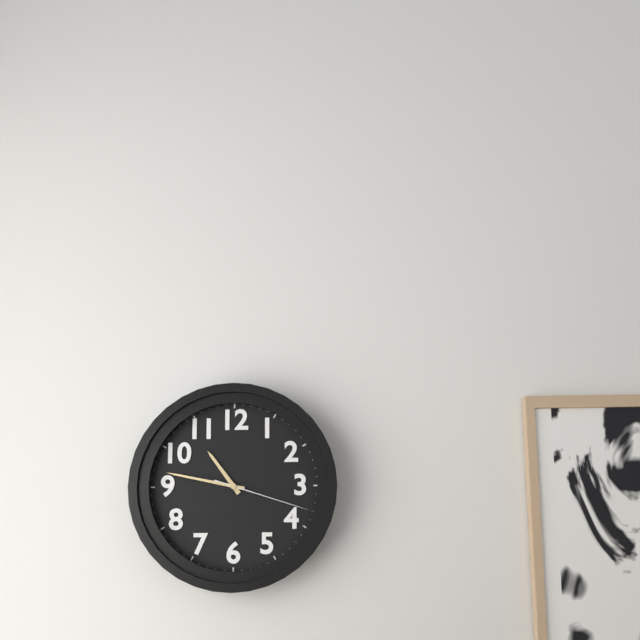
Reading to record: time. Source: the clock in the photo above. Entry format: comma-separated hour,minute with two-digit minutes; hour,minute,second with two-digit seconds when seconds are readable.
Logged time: 10,47,18
